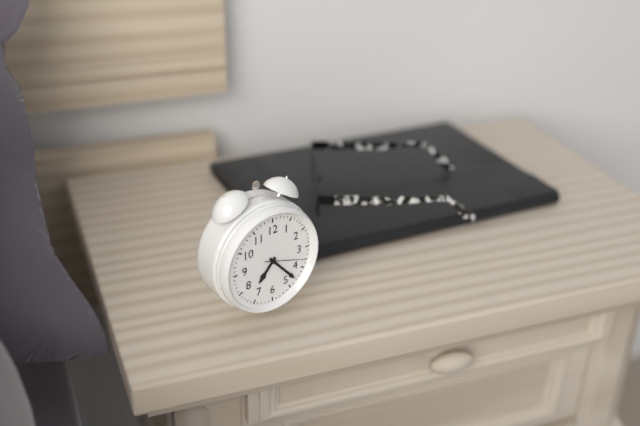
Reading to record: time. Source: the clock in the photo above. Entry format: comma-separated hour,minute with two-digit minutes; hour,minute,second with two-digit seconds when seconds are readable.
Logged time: 7,23
